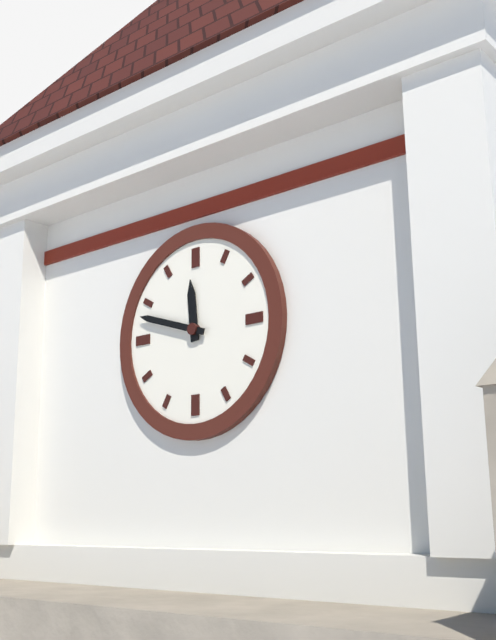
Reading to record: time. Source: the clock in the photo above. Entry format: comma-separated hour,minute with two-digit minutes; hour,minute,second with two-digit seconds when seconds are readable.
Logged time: 11,48
